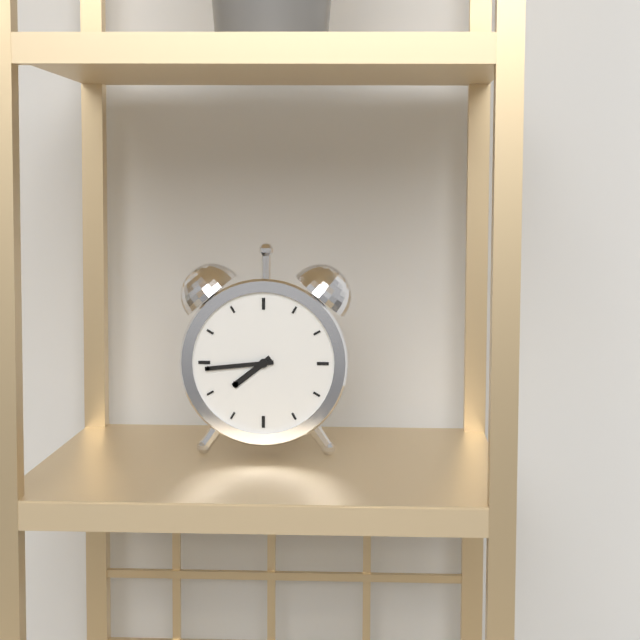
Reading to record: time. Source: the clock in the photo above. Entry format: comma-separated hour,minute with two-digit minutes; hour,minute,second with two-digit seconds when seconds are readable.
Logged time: 7,44
